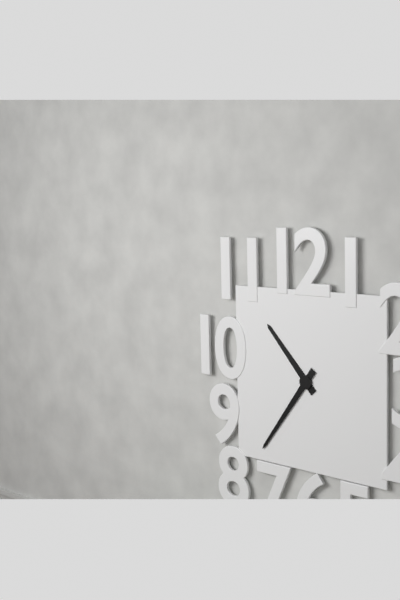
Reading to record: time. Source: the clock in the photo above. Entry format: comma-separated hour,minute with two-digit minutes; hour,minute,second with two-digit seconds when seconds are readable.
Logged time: 10,36
